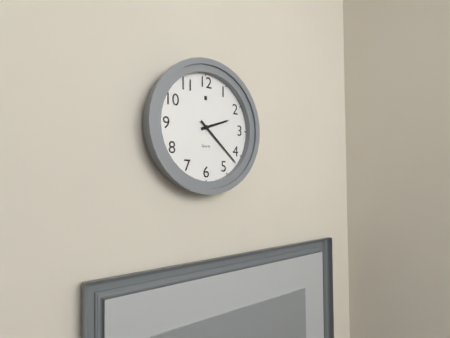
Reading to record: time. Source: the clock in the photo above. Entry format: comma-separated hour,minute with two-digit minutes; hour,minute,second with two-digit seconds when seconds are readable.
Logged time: 2,22
